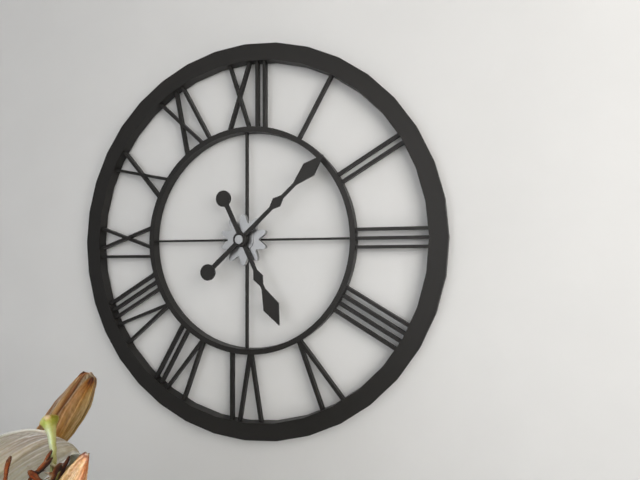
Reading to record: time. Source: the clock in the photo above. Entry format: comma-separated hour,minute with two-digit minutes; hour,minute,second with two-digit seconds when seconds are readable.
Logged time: 5,08
